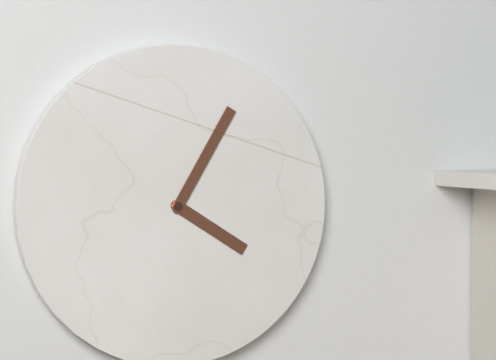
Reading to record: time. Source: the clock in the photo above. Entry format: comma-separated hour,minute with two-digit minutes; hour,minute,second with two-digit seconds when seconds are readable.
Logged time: 4,05
